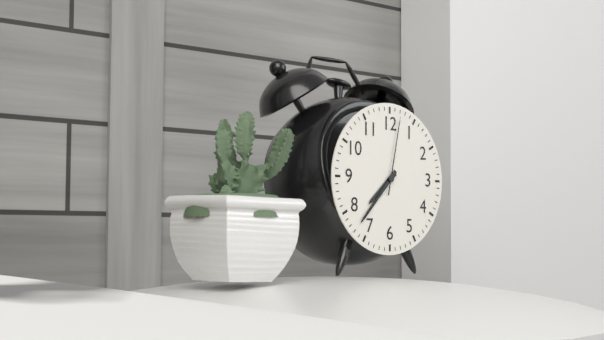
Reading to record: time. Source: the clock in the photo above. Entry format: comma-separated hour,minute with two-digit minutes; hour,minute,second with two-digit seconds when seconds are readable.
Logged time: 7,37,02
